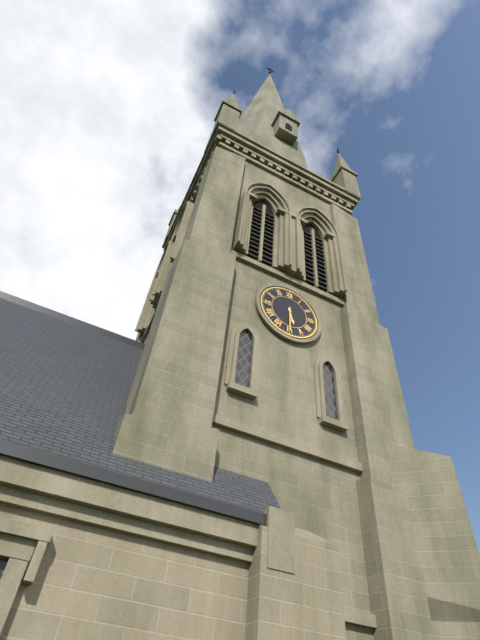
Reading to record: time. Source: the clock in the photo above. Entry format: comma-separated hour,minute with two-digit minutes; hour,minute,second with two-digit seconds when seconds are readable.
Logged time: 5,30
